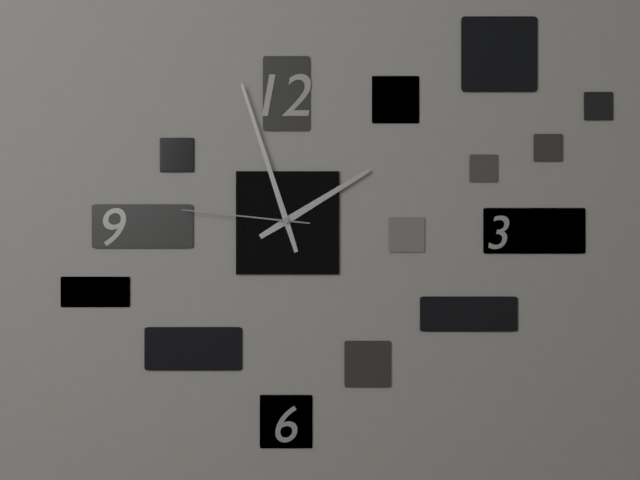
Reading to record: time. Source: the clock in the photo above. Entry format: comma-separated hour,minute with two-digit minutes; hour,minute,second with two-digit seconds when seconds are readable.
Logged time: 1,57,46
